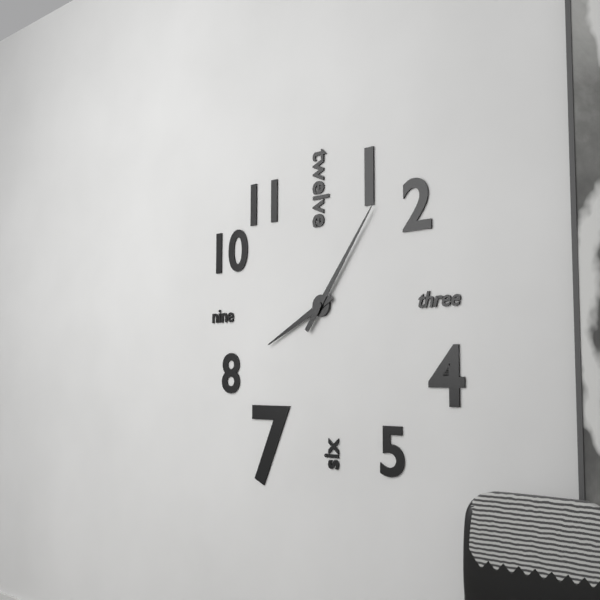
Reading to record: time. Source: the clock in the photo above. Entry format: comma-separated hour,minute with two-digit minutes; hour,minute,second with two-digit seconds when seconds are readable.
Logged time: 8,06
